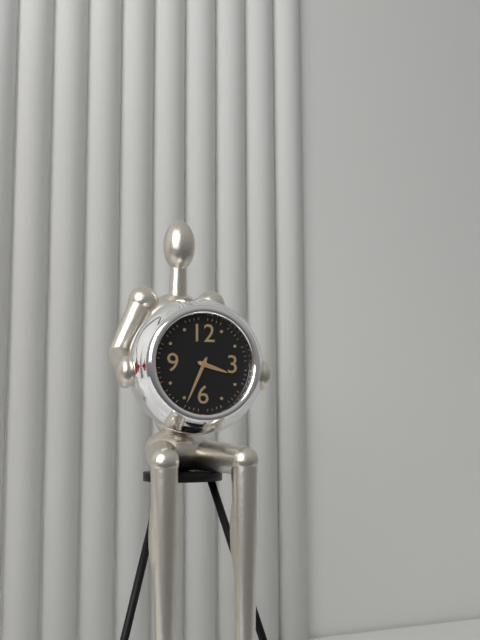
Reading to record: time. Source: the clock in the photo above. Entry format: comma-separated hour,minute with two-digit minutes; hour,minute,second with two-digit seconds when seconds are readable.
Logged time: 3,34
